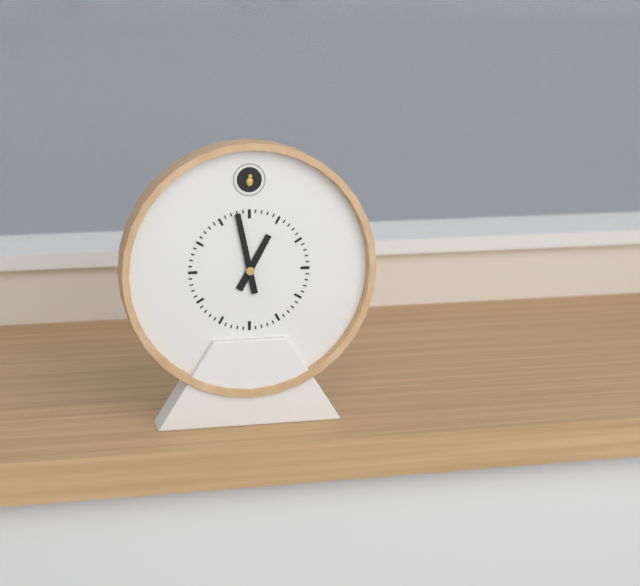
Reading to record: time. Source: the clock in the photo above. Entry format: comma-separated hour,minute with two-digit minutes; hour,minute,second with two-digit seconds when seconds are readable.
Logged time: 12,58
